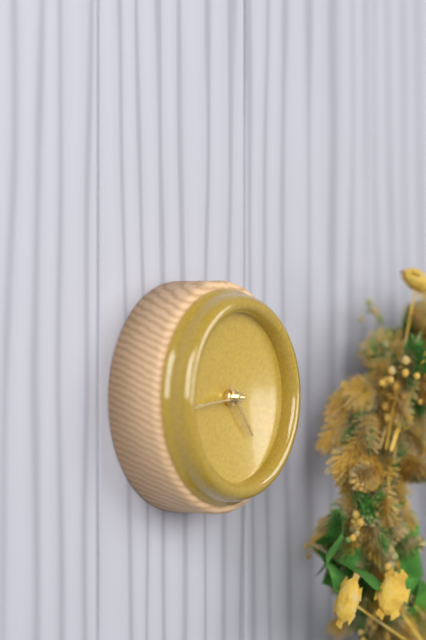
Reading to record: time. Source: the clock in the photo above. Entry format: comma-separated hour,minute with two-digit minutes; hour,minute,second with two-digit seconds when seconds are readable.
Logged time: 4,44
